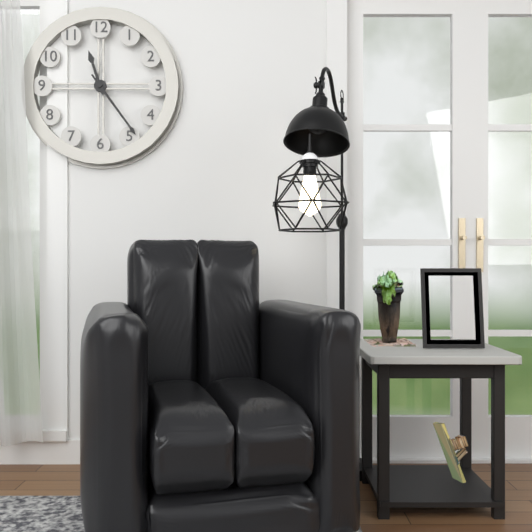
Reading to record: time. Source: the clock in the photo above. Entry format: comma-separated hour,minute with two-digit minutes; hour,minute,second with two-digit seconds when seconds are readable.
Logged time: 11,24
